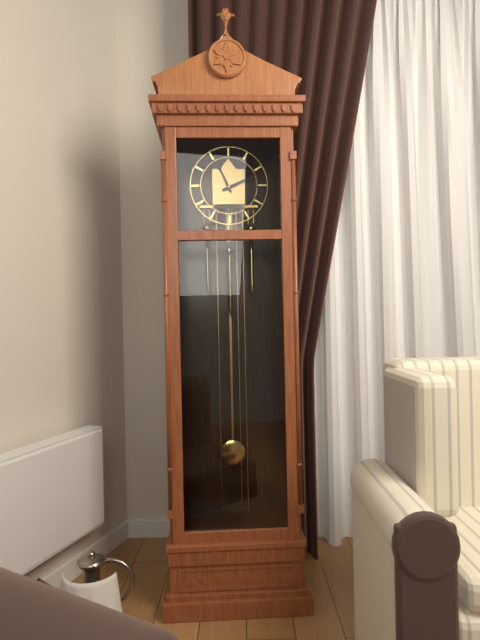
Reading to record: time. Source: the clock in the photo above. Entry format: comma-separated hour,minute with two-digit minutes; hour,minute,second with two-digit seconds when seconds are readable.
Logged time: 11,11
